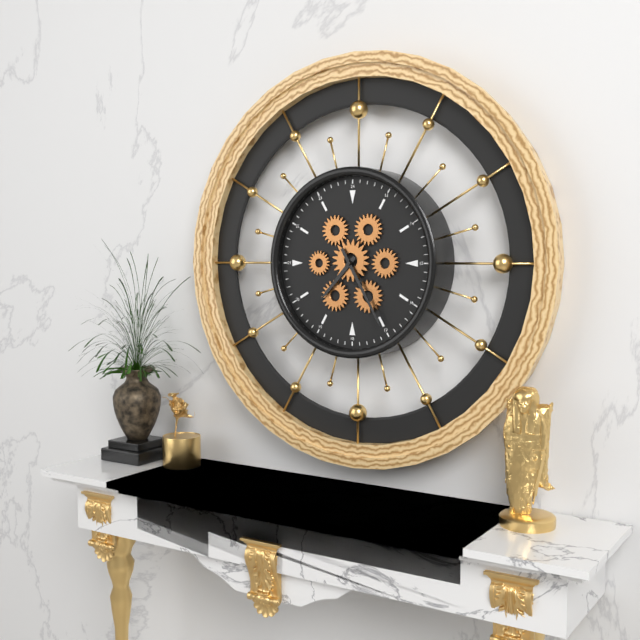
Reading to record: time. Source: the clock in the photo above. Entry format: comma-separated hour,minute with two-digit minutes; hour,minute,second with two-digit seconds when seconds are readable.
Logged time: 7,25
